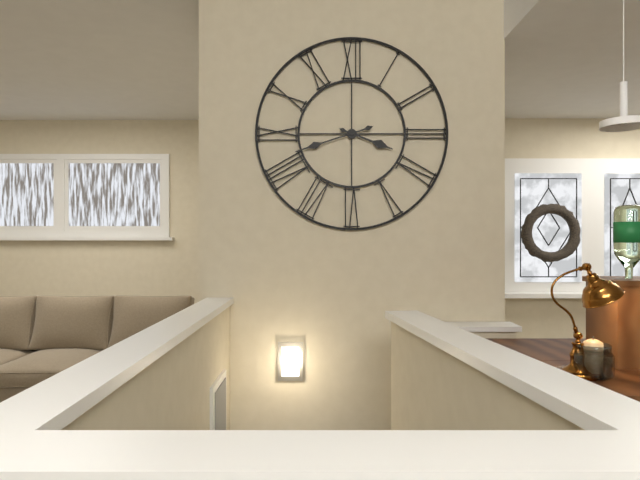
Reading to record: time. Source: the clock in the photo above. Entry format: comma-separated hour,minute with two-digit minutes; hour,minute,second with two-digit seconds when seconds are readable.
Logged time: 3,42
